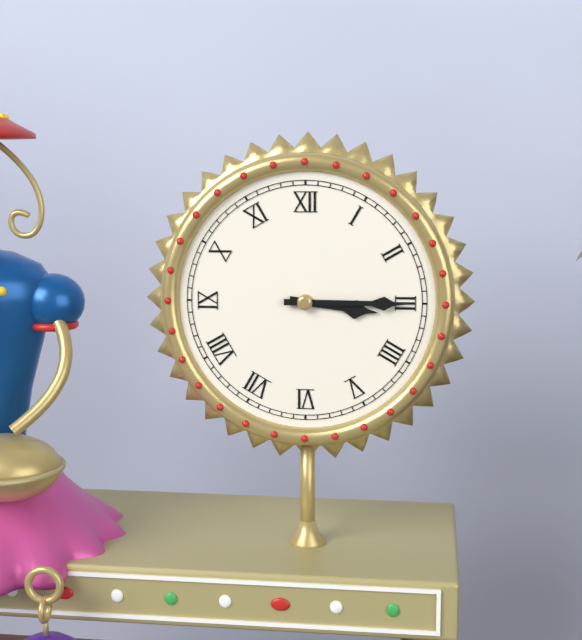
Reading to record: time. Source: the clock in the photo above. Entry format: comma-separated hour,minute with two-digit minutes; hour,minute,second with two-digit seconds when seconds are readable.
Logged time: 3,15
